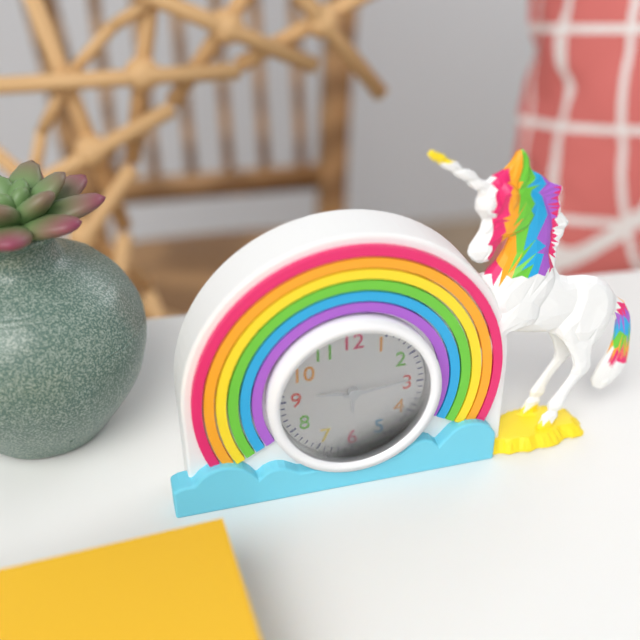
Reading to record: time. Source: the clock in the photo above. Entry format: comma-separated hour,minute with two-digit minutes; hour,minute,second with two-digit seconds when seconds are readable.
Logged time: 9,14
